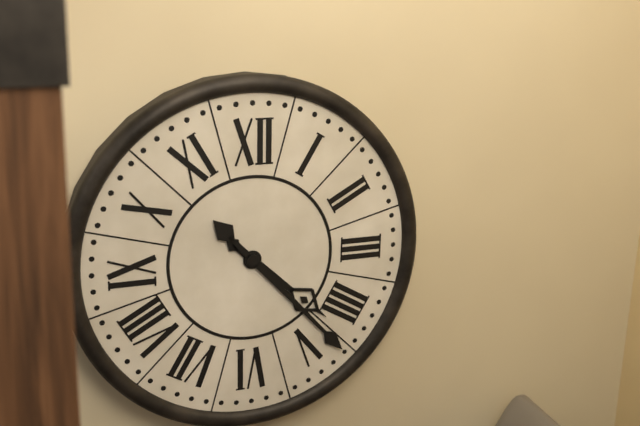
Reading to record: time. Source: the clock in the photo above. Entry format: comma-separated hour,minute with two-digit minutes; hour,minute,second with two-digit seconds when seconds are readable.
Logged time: 4,23
